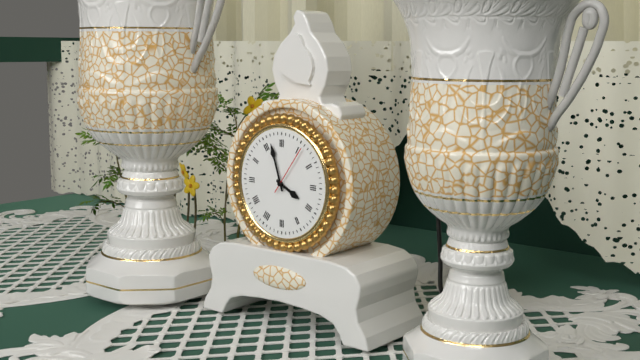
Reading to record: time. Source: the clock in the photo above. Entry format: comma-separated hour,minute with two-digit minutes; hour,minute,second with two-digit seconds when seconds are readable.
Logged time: 3,57
